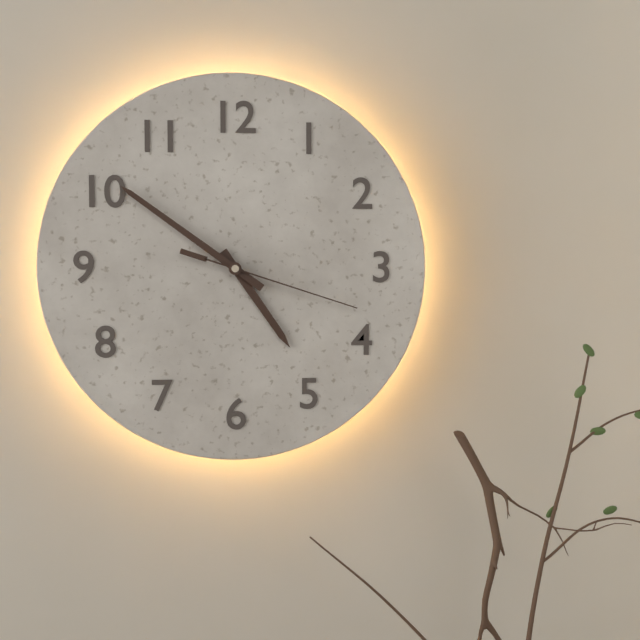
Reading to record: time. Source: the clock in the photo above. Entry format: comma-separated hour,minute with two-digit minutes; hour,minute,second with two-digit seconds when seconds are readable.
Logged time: 4,51,18
